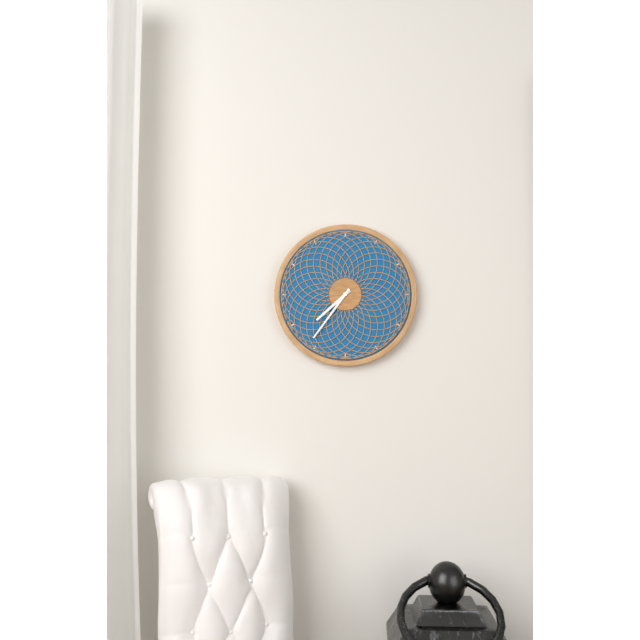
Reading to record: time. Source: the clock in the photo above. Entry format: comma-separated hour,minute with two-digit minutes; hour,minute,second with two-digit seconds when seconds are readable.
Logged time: 7,36
